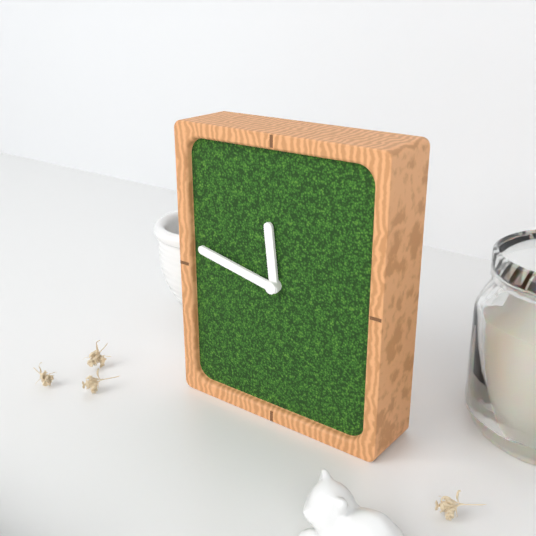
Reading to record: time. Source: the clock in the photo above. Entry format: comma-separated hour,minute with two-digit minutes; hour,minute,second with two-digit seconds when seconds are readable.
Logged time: 11,47
